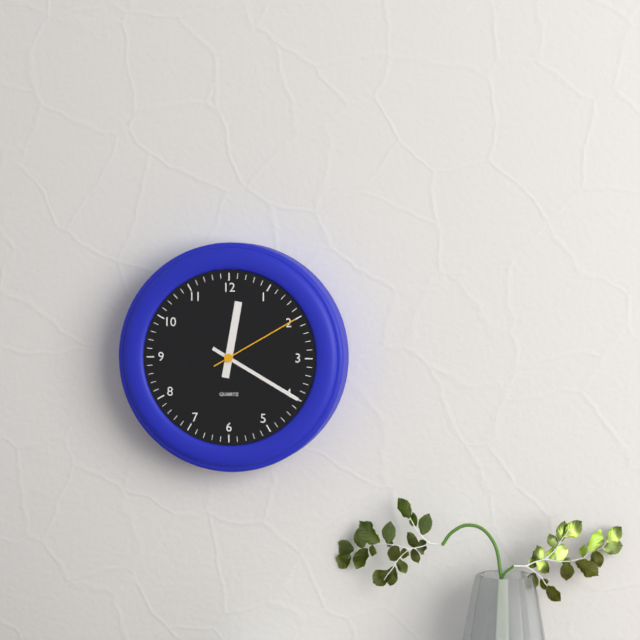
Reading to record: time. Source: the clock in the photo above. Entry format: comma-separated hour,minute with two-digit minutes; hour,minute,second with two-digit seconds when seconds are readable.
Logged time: 12,20,10
